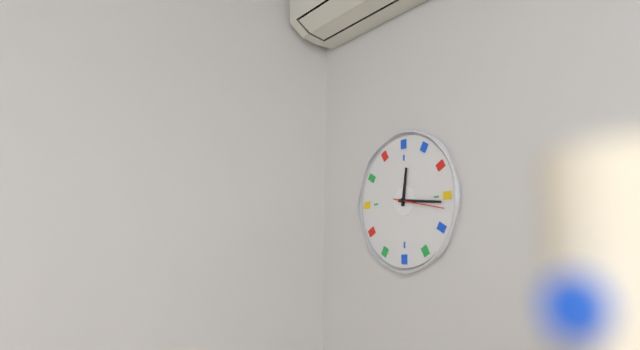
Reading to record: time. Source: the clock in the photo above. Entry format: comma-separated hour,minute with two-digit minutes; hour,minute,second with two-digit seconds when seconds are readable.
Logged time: 12,16,17
